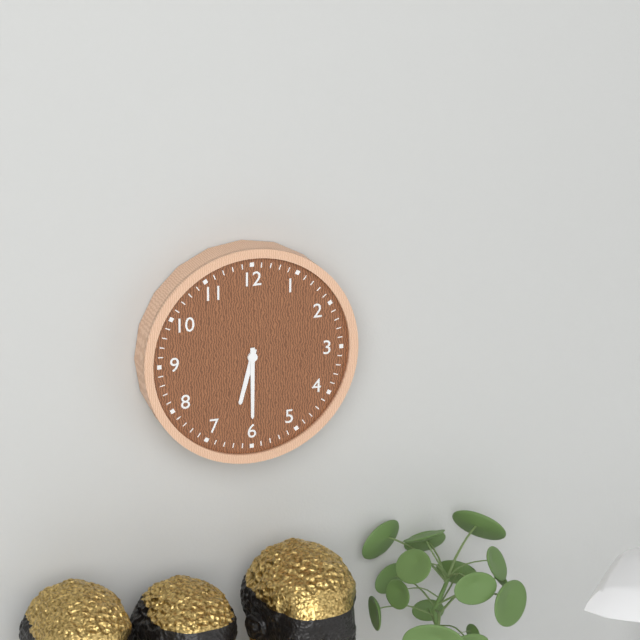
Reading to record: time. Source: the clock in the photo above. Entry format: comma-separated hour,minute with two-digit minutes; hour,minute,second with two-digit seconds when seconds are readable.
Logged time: 6,30
